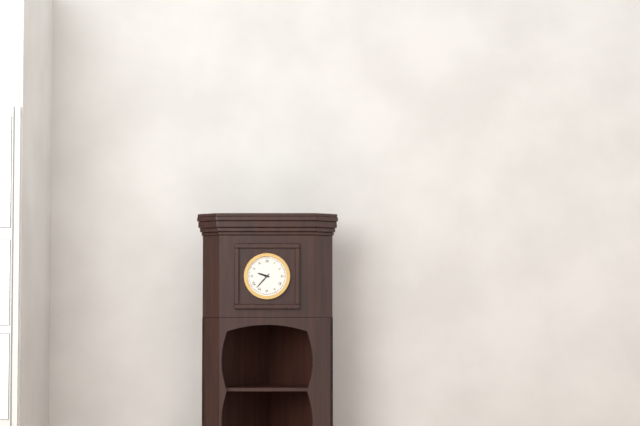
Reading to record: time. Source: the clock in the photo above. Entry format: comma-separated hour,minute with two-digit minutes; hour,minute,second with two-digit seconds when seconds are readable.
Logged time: 9,37
